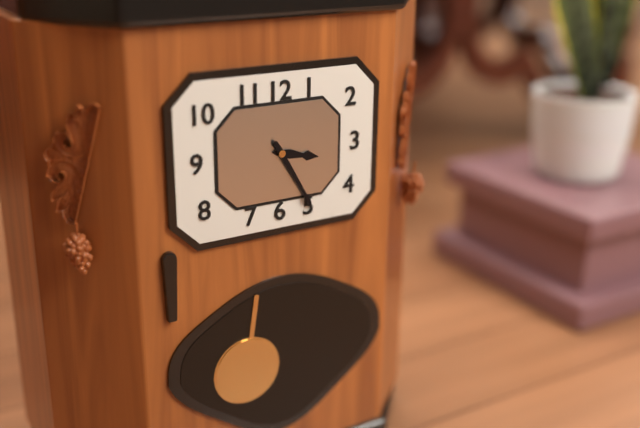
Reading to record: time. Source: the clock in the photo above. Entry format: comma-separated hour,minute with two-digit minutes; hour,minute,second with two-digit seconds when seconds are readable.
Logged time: 3,25
